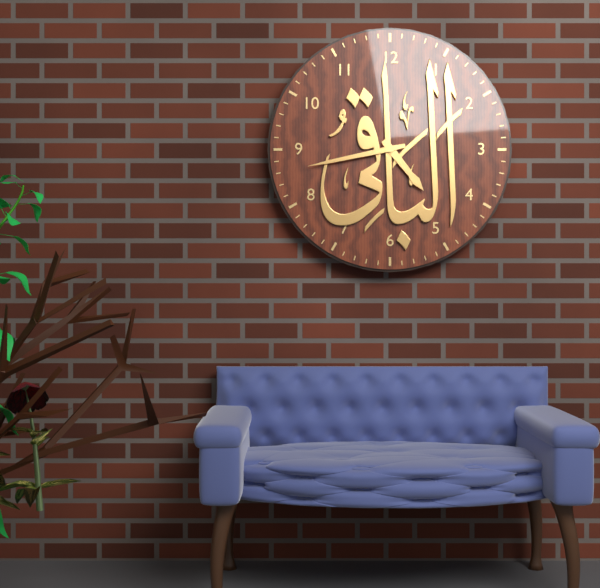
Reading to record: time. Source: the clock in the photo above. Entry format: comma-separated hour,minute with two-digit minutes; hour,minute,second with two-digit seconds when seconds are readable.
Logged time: 4,43
